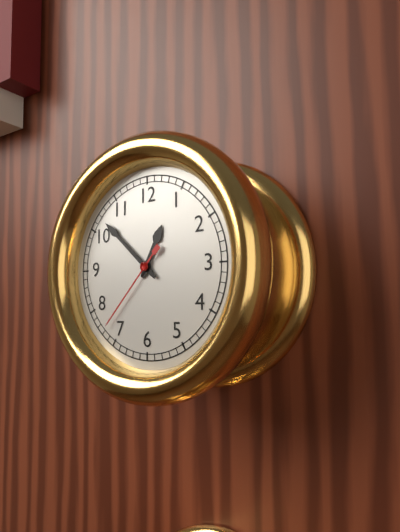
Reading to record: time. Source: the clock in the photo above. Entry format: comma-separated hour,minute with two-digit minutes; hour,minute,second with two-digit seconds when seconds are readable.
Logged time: 12,52,37
